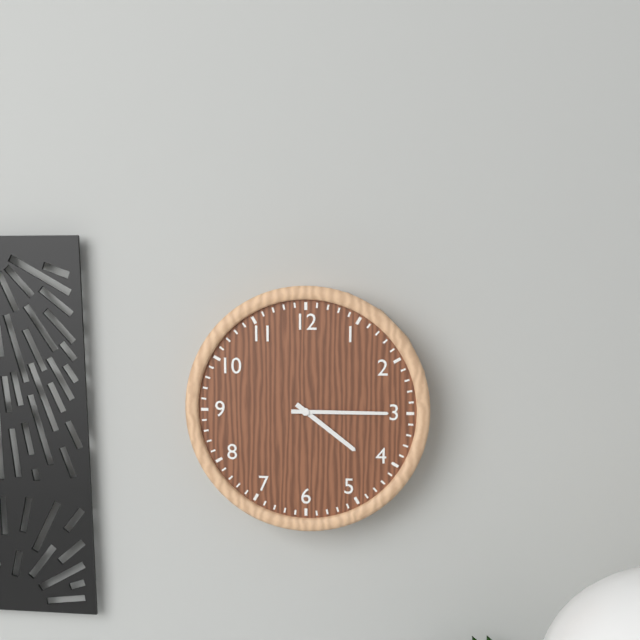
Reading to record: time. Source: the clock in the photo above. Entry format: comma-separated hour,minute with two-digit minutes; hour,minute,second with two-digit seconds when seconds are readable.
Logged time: 4,15
